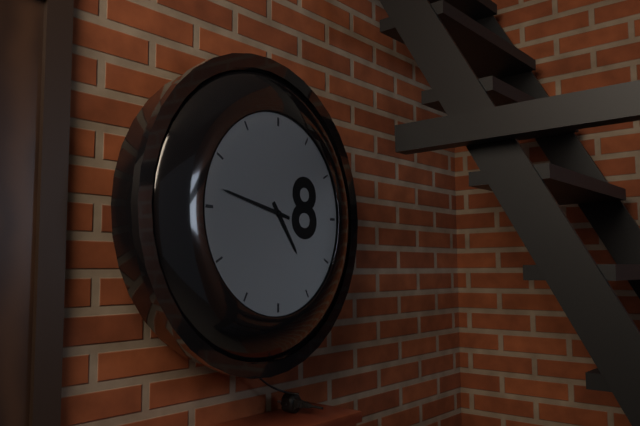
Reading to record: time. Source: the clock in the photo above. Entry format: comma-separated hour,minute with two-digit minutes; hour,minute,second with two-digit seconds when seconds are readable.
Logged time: 4,47
